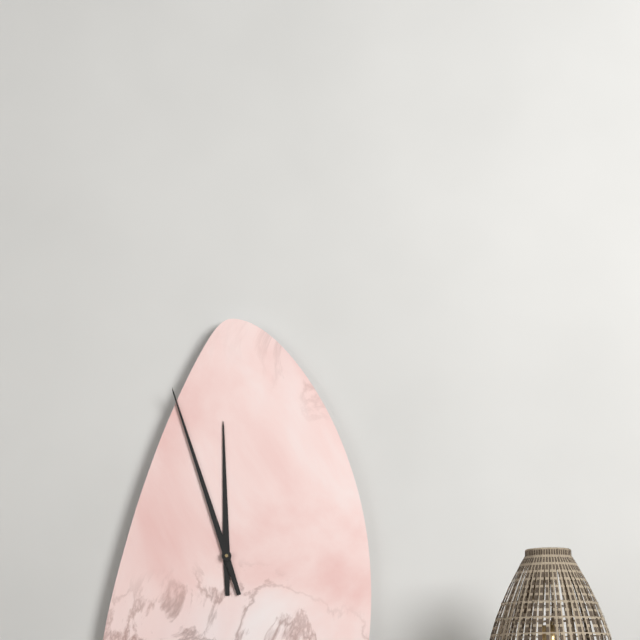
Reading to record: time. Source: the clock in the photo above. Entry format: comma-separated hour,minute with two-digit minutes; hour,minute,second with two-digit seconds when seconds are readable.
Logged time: 11,57
